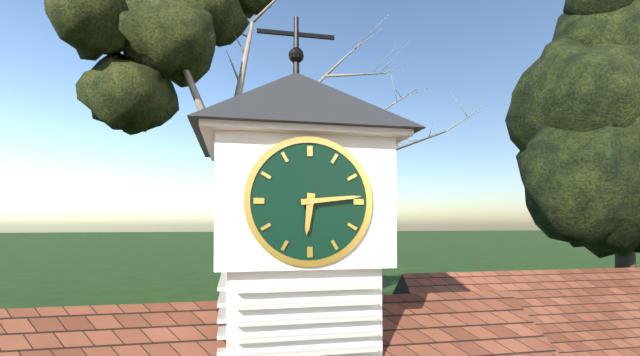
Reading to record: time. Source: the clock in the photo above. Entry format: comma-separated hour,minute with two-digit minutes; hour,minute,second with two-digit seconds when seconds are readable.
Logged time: 6,14
